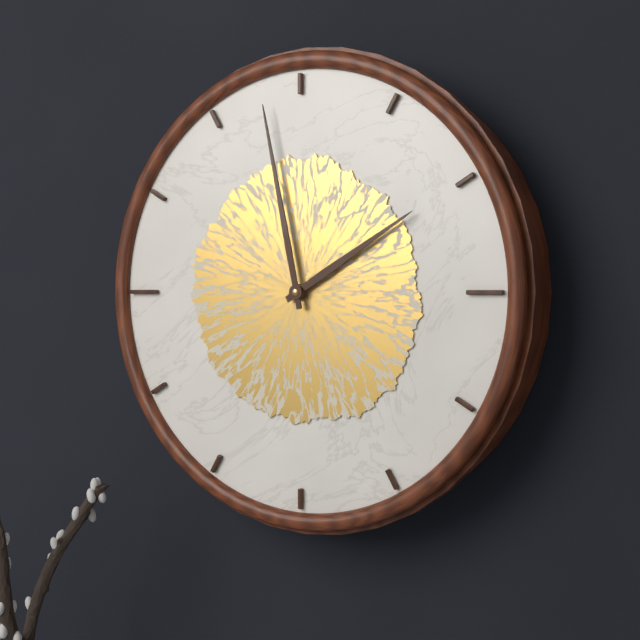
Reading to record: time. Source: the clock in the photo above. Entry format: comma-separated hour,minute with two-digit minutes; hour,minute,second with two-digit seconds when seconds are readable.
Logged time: 1,58
